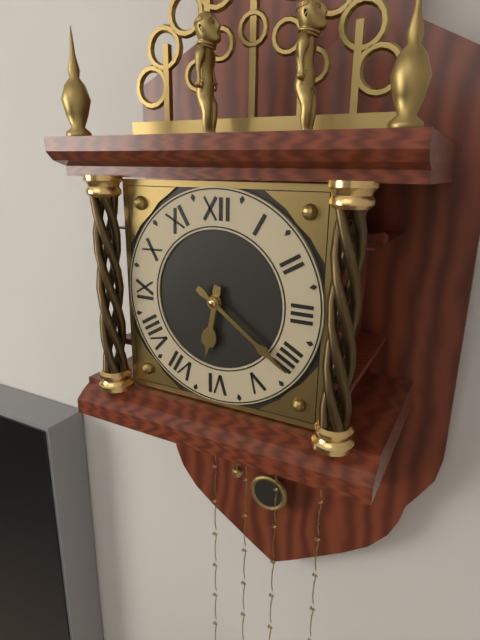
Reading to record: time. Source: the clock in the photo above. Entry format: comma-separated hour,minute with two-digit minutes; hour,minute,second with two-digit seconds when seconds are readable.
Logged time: 6,21
